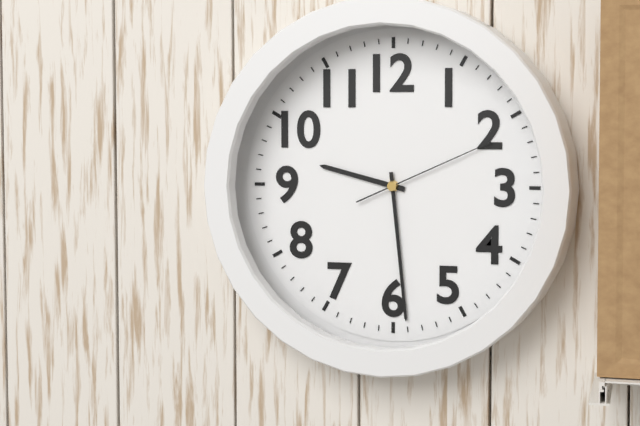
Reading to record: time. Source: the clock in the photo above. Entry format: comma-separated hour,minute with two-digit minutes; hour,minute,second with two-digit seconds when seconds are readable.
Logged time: 9,29,11
